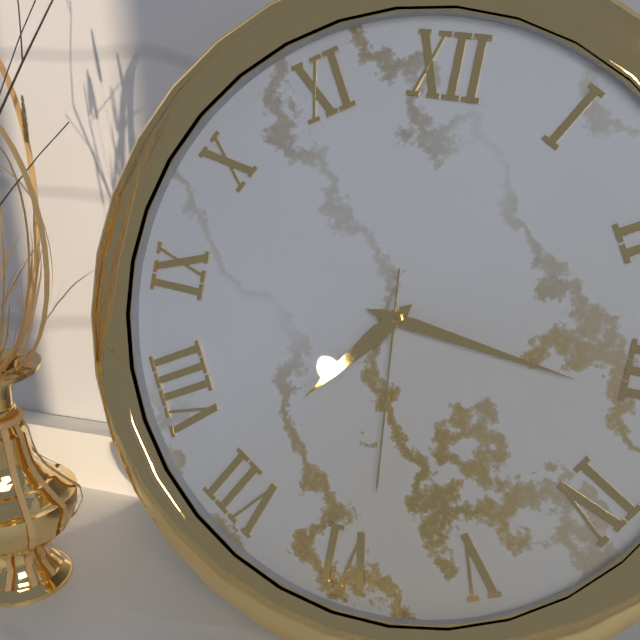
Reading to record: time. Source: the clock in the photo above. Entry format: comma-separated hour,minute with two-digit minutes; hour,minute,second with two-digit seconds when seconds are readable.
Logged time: 7,16,29
